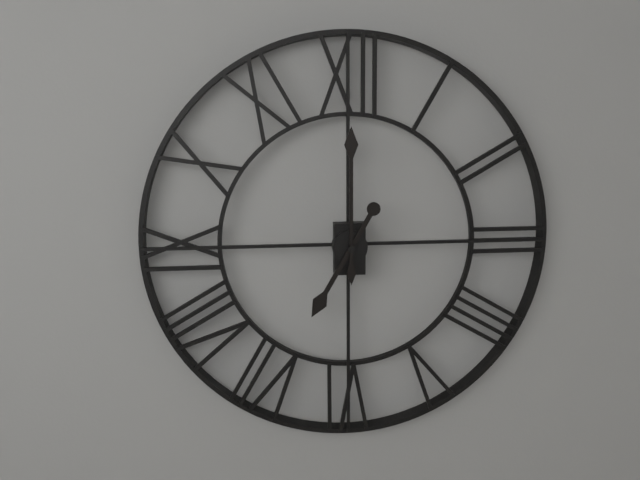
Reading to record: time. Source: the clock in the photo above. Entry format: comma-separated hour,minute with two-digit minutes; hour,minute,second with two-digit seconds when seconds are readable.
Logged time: 7,00
